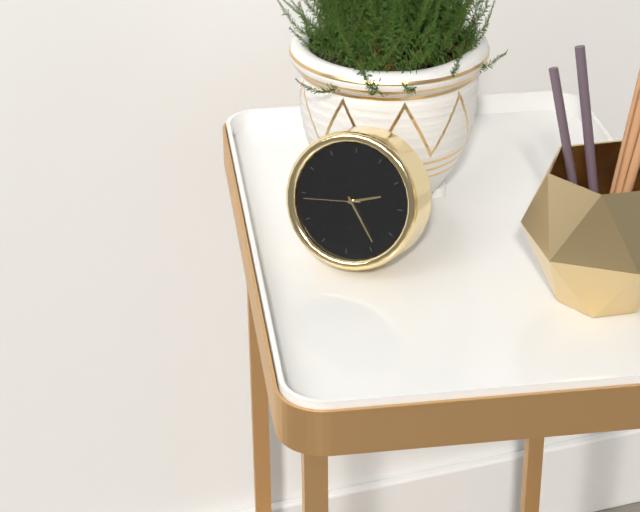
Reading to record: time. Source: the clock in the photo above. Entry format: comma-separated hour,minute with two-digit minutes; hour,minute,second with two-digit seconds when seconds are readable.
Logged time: 2,24,44
